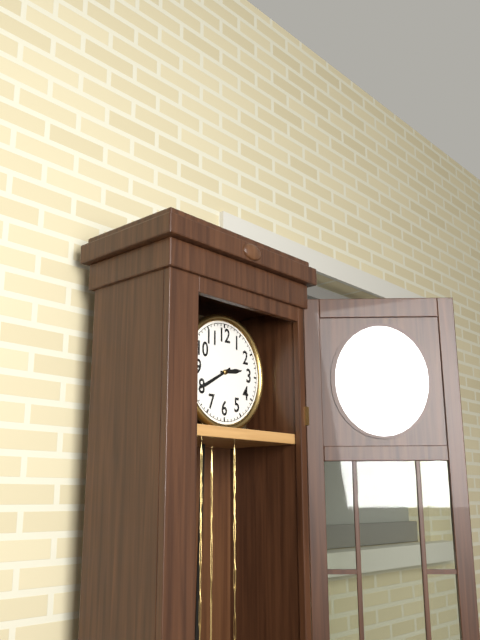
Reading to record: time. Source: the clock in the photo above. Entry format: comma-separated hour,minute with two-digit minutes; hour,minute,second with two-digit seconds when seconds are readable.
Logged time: 2,40
